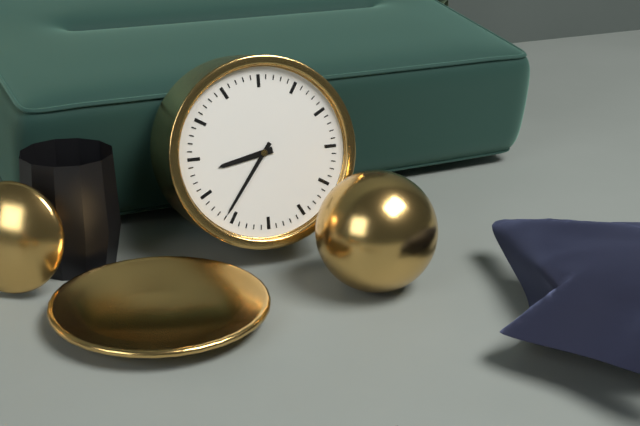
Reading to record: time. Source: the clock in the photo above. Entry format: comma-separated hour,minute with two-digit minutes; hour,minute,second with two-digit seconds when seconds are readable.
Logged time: 8,36
